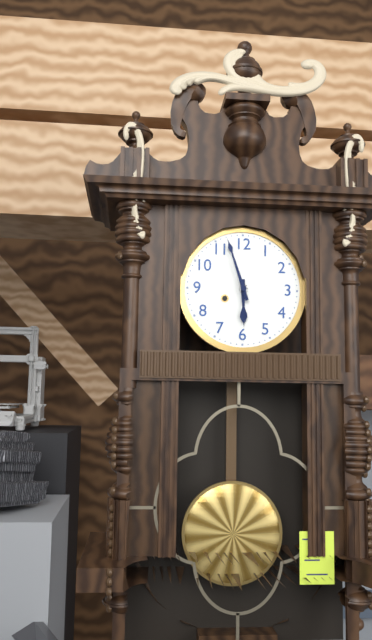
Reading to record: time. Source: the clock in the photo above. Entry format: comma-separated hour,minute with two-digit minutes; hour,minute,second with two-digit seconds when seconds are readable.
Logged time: 5,57
